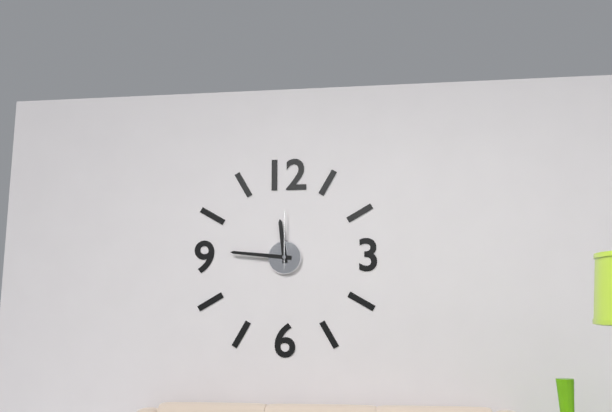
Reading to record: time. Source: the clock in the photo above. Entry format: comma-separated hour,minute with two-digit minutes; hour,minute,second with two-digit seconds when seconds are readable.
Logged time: 11,46,00
